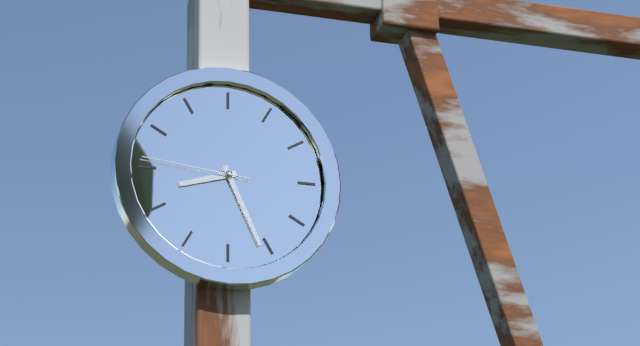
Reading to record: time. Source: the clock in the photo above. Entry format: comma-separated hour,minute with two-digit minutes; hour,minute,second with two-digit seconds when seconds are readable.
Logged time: 8,26,46
